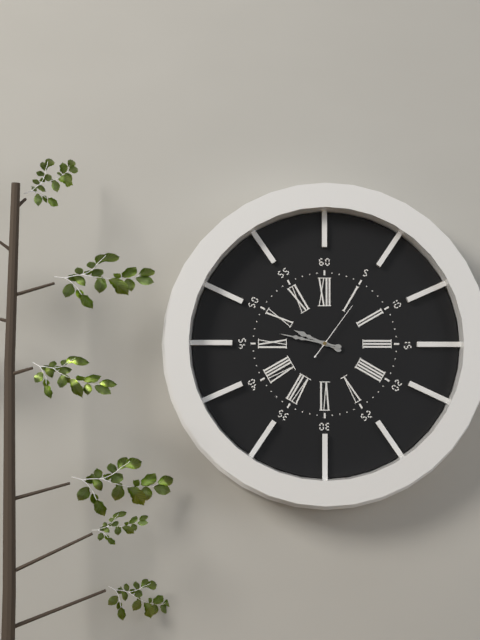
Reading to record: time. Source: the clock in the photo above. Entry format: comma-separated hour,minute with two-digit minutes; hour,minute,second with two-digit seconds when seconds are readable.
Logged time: 9,47,06
